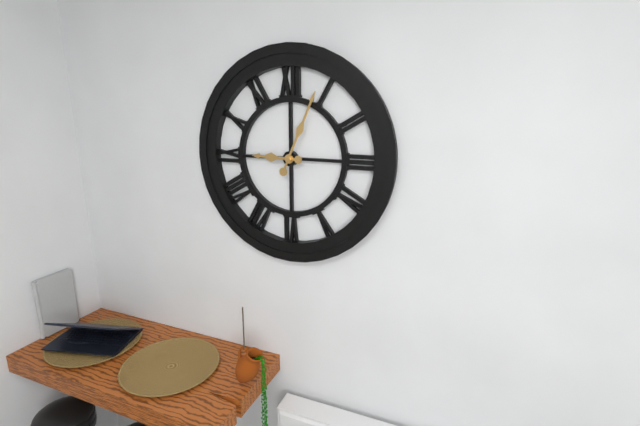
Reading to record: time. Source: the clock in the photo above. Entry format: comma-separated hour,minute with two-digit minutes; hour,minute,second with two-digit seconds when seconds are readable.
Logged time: 9,04
